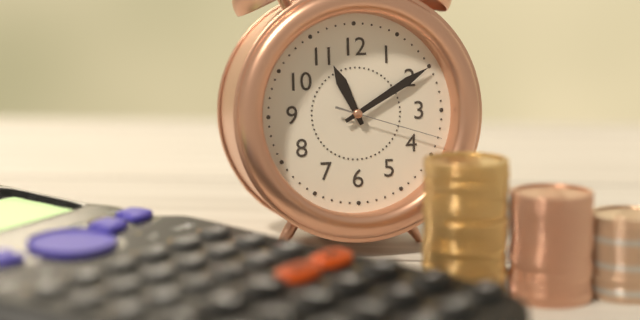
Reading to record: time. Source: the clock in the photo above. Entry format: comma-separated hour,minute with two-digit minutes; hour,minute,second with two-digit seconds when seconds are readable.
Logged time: 11,10,18
